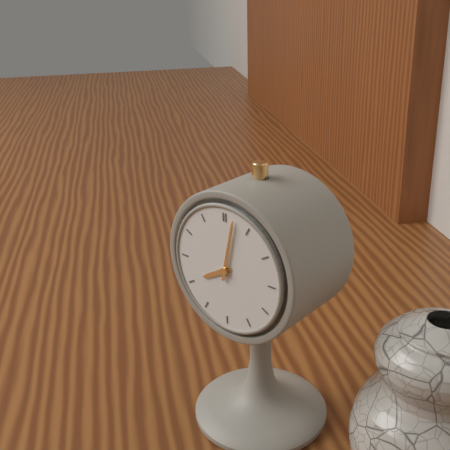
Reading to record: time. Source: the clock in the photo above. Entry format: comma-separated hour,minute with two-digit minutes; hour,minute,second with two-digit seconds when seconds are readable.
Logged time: 8,02
